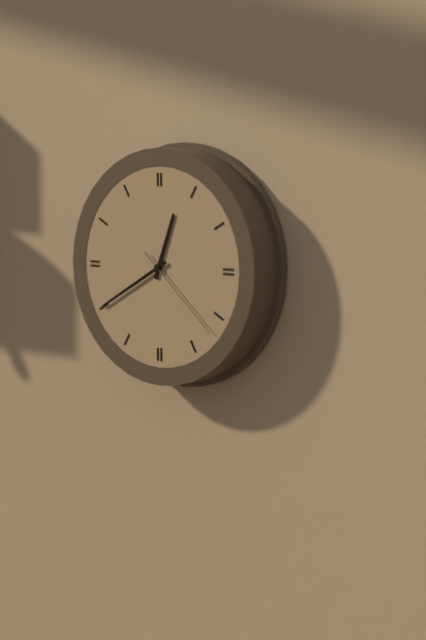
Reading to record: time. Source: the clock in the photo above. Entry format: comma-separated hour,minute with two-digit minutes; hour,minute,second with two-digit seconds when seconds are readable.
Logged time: 12,40,22
